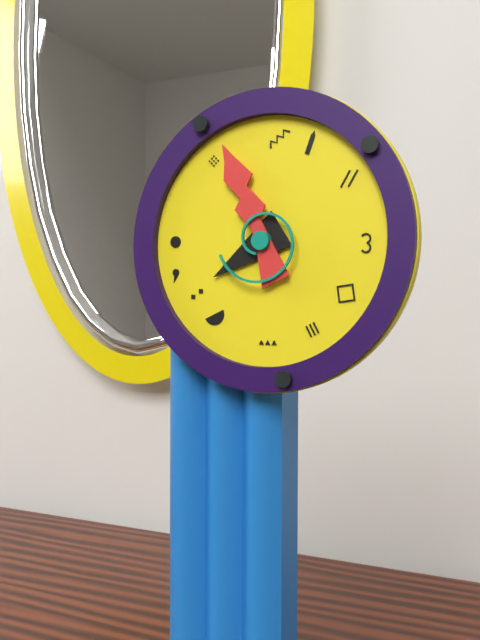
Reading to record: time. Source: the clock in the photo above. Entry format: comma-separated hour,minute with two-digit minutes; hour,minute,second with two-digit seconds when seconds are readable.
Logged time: 7,56
